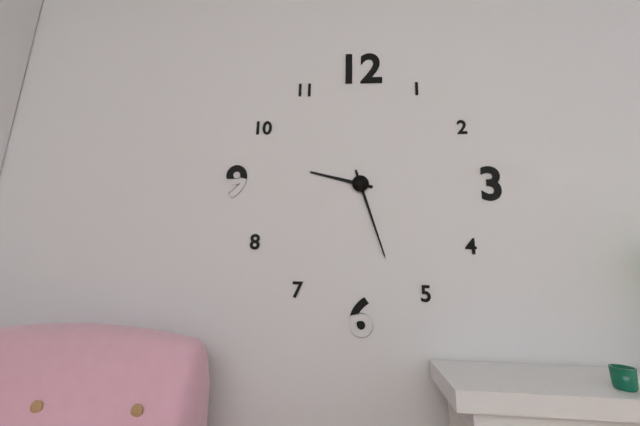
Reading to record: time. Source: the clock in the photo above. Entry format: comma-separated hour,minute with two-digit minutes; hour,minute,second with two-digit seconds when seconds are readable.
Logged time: 9,27
